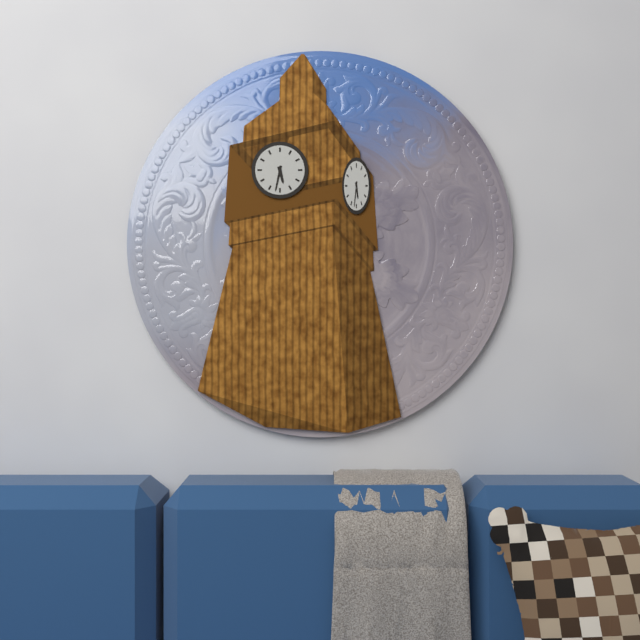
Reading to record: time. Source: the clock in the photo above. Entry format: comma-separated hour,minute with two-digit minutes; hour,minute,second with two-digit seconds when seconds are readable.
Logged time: 5,32
